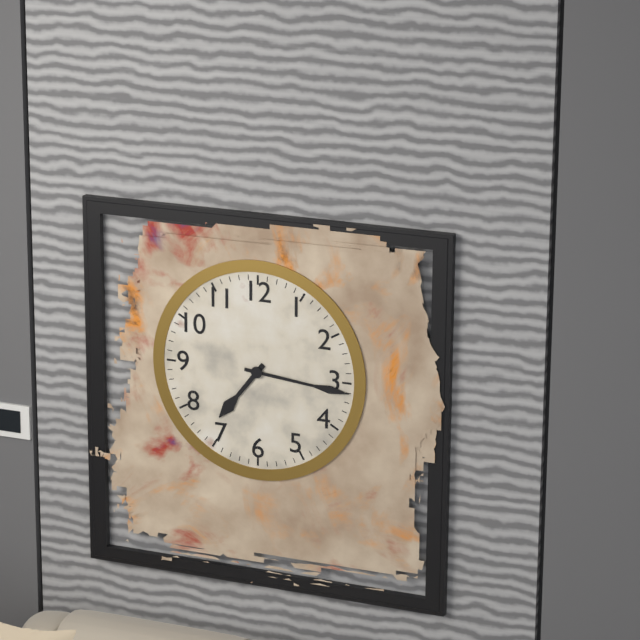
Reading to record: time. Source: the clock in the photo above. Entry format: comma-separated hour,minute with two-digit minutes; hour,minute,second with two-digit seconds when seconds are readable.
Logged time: 7,16
